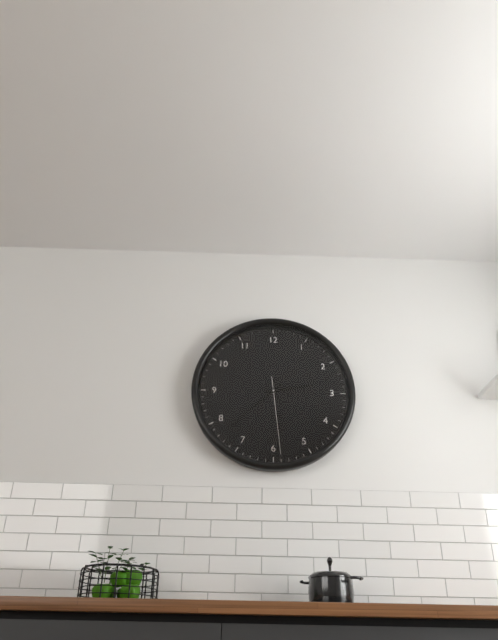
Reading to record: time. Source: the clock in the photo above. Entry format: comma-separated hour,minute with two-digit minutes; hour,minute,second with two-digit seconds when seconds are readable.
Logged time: 2,38,29
